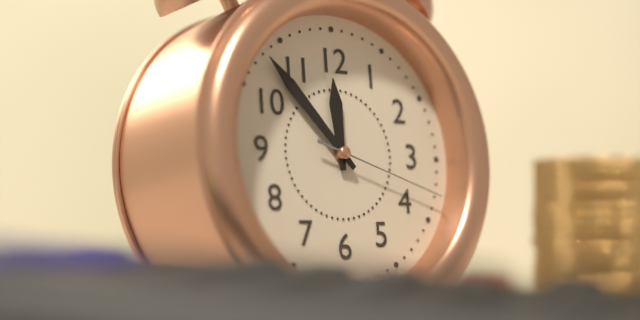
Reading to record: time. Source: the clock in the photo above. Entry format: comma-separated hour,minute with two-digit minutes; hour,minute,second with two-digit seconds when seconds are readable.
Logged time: 11,53,18
